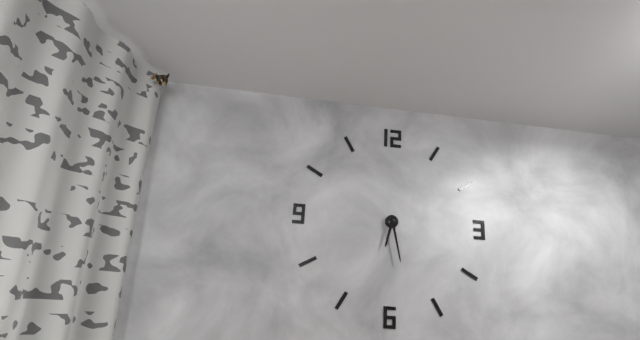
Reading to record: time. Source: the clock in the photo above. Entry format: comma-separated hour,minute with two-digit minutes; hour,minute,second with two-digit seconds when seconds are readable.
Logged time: 6,28
